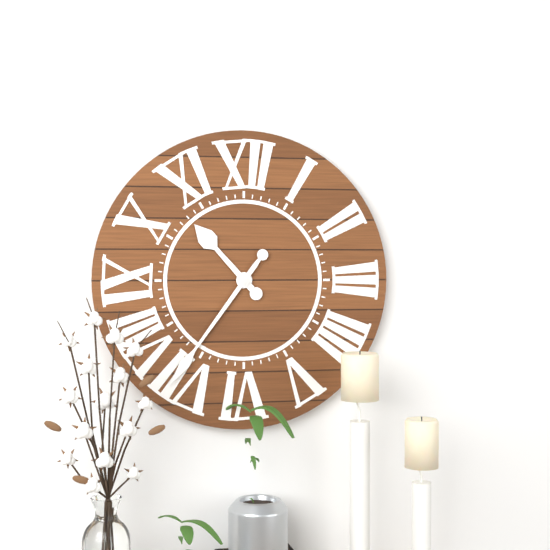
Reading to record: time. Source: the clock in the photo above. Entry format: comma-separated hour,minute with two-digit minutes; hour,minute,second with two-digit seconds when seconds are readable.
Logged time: 10,36
